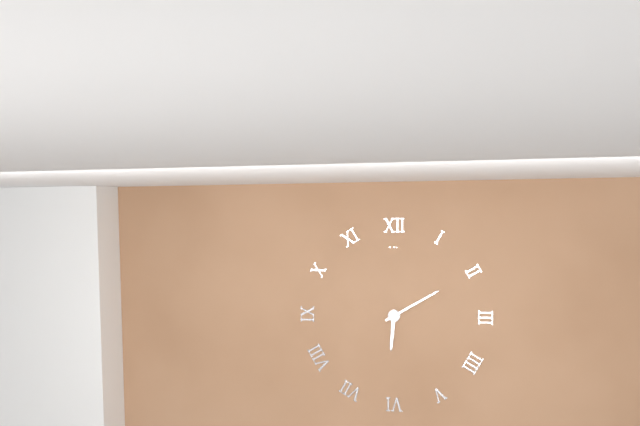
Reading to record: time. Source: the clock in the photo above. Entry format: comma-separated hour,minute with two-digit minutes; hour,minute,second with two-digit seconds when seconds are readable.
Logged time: 6,10
